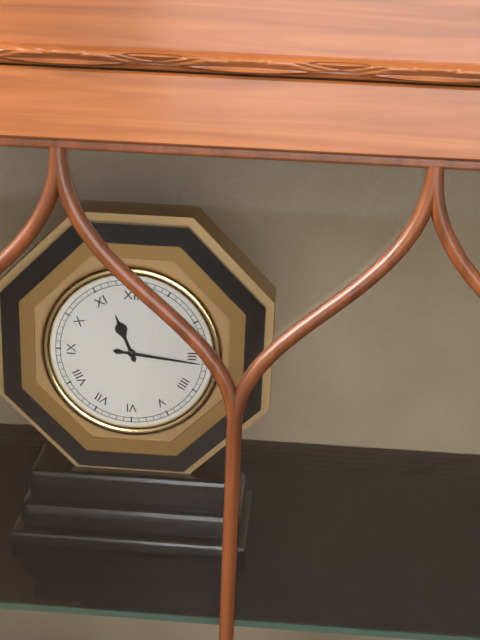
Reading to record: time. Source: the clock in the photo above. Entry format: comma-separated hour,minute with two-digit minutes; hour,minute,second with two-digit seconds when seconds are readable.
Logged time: 11,16
